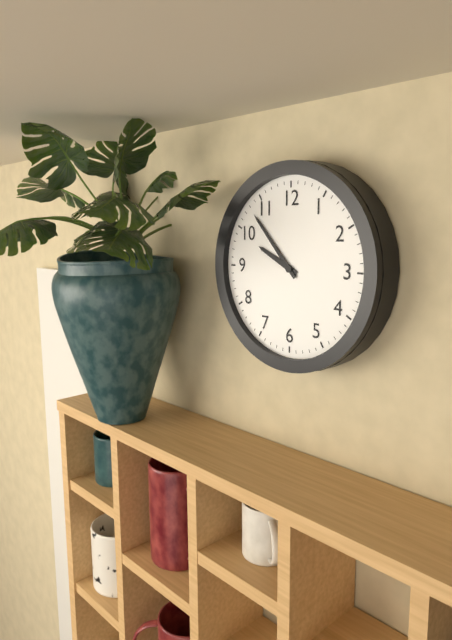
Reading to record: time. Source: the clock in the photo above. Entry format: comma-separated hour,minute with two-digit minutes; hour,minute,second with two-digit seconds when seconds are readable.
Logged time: 9,53
